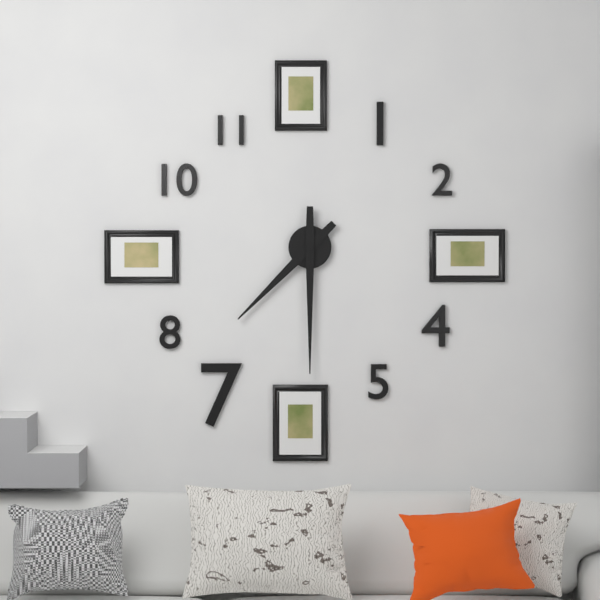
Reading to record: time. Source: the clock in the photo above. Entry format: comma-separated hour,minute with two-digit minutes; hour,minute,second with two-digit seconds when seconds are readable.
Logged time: 7,30
